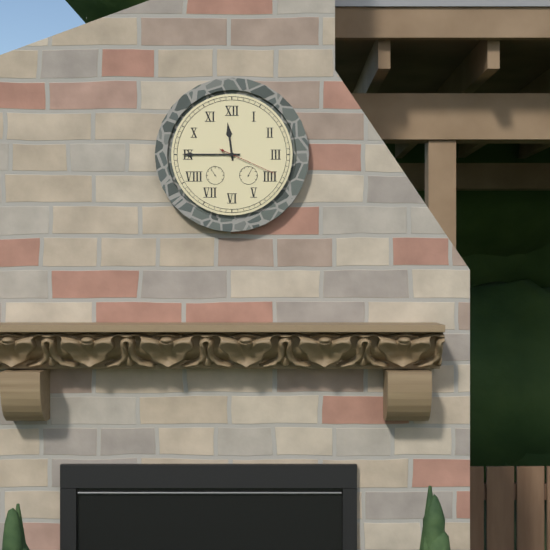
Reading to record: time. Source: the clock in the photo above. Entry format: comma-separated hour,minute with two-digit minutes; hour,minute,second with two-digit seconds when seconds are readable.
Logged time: 11,45,19
